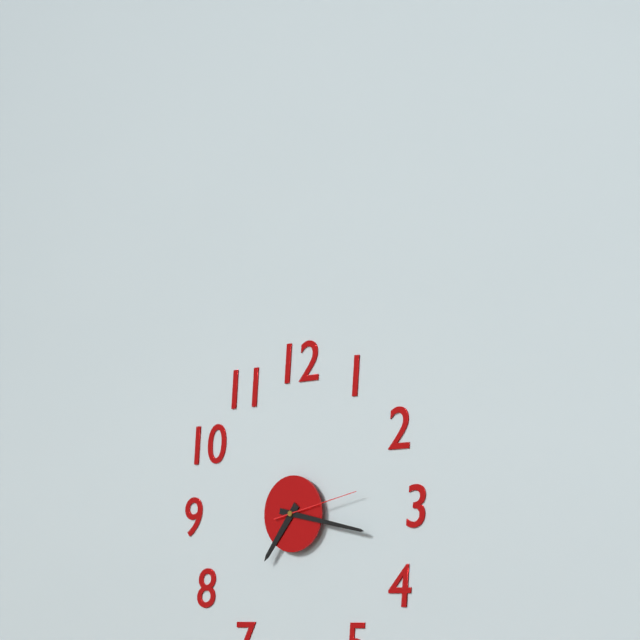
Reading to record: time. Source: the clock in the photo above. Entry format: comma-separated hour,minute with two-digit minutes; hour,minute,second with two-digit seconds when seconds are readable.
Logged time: 7,17,13
